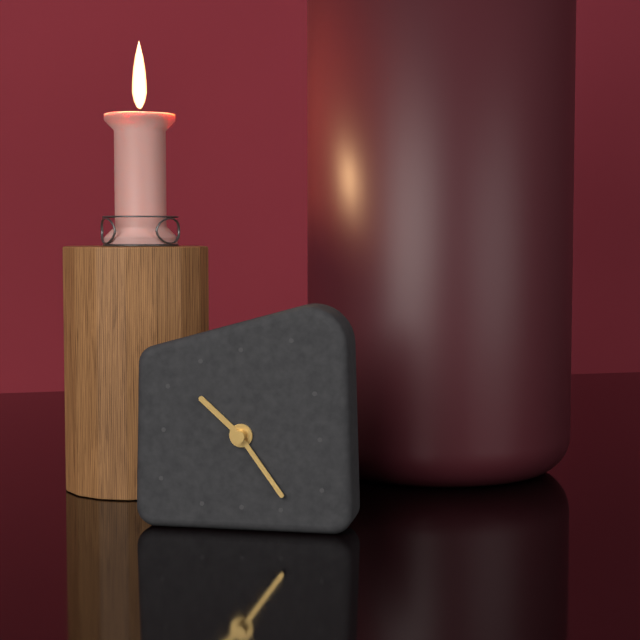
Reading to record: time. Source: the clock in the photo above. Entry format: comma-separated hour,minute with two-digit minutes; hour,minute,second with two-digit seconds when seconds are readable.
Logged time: 10,24
